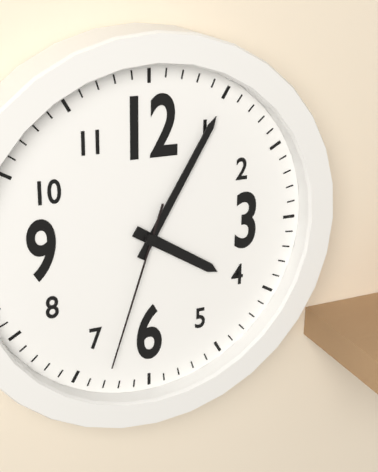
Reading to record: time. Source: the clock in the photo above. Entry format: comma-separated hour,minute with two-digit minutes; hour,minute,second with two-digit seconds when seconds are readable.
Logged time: 4,05,33
